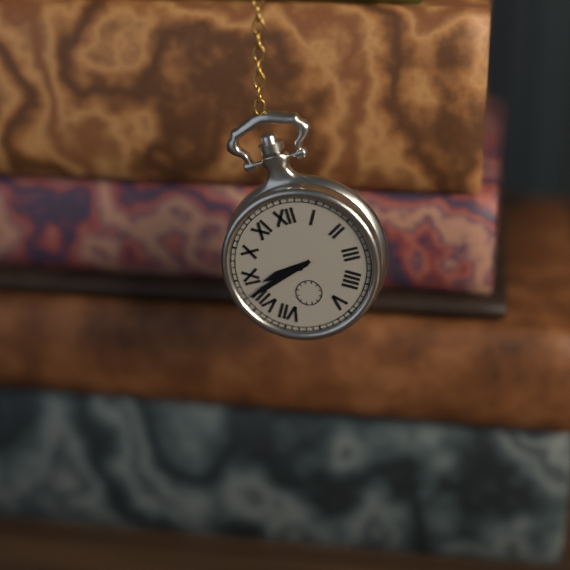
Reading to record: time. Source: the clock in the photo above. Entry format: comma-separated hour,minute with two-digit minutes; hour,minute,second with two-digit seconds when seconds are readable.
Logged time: 8,42
